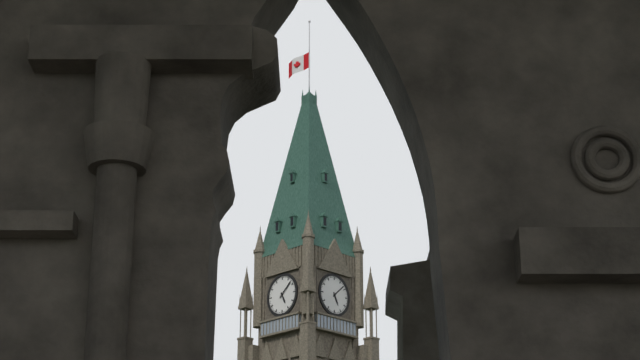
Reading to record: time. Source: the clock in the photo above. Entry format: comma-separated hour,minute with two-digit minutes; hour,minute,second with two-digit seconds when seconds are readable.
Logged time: 5,08
